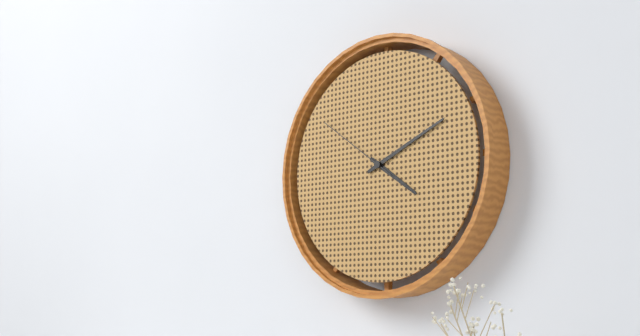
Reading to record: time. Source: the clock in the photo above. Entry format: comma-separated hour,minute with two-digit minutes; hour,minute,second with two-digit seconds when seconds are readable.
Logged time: 4,11,51
